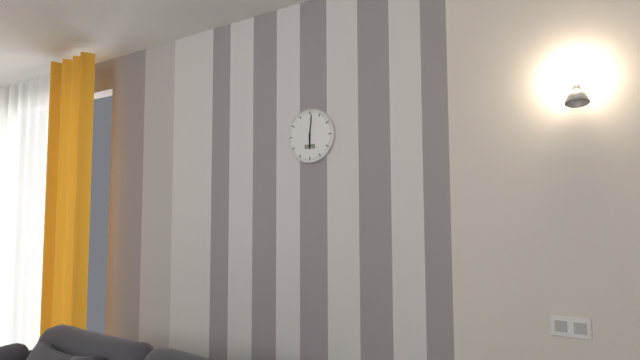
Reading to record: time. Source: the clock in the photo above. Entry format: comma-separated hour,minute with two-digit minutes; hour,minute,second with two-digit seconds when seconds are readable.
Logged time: 6,01
